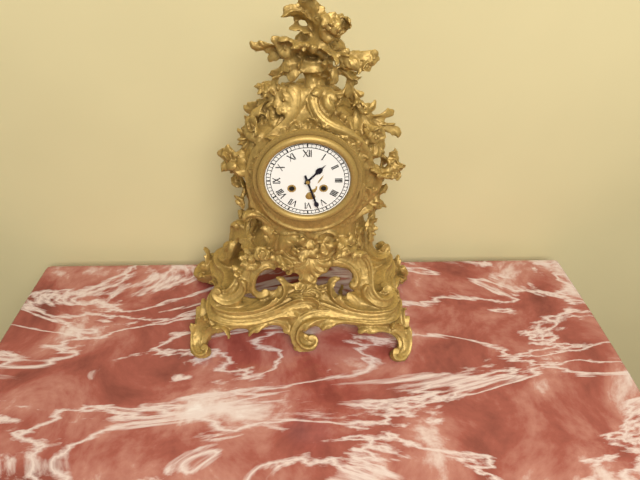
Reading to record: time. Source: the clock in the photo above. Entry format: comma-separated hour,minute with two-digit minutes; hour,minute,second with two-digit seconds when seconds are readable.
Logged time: 1,27
